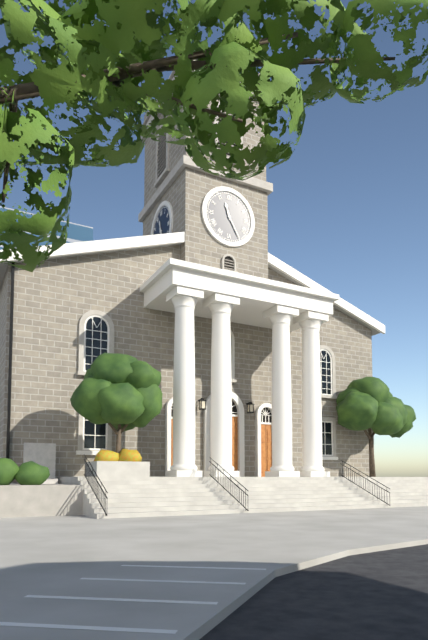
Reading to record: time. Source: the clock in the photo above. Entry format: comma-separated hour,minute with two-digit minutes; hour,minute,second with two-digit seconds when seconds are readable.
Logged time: 11,25
